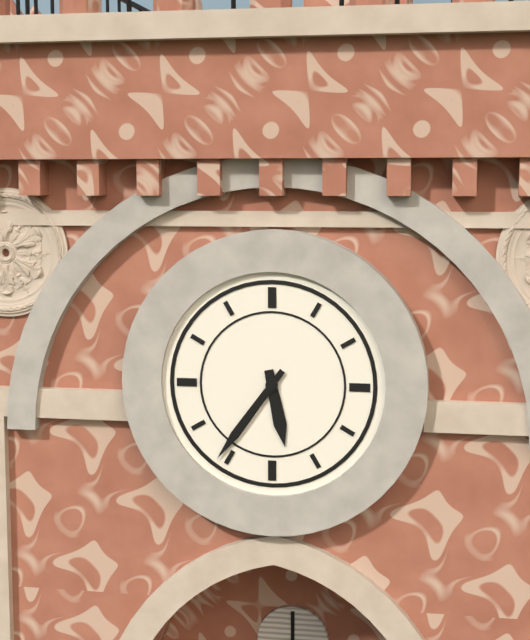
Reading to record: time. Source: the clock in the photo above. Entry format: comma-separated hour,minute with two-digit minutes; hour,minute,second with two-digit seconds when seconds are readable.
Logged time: 5,36
